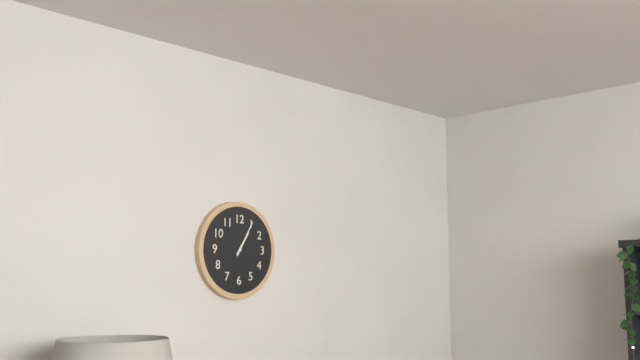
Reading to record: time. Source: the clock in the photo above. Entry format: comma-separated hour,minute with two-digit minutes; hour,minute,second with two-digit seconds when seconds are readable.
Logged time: 1,05
